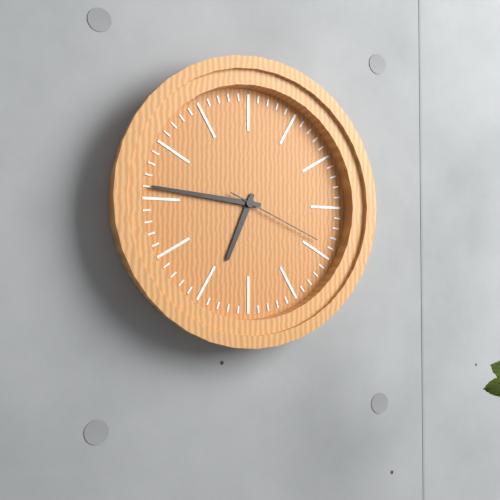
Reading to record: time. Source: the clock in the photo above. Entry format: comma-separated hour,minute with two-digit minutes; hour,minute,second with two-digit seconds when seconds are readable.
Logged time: 6,46,19
